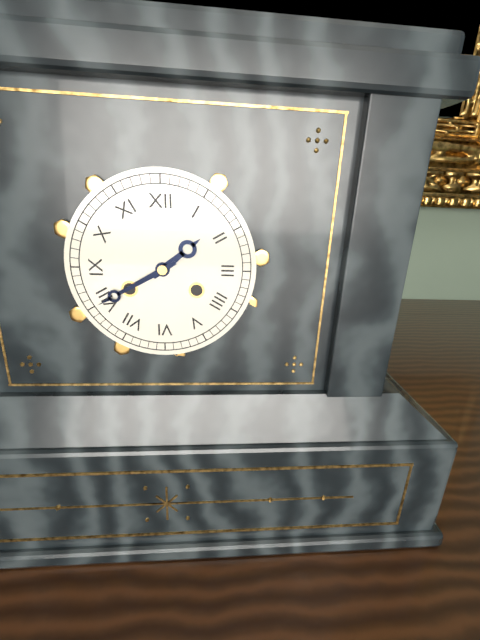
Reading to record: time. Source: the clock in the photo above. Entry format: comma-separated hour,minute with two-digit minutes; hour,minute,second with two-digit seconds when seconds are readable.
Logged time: 1,40
